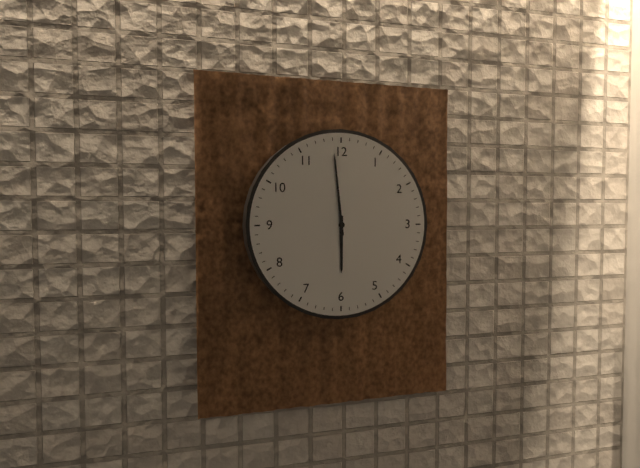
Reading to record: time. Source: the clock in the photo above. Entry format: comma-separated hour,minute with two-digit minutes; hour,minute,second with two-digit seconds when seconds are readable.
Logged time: 5,59
